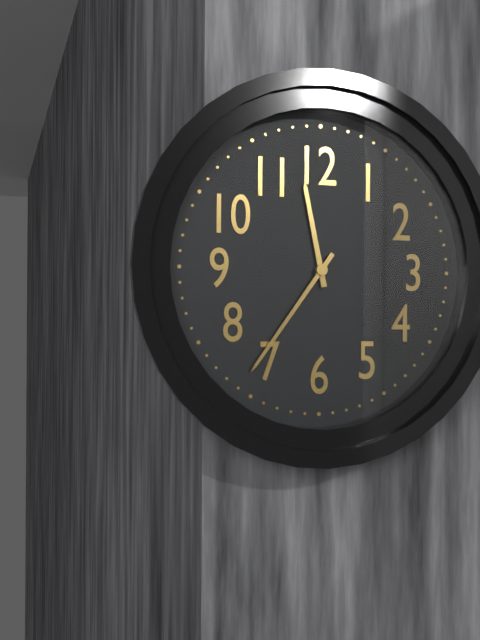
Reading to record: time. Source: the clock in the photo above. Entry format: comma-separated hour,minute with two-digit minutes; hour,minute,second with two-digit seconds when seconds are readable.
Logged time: 11,36
